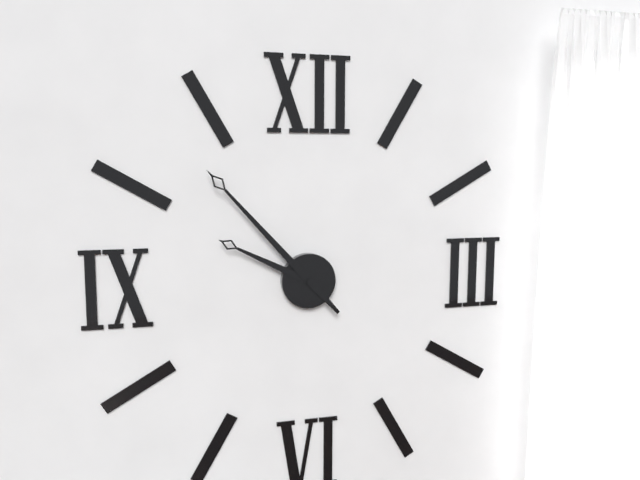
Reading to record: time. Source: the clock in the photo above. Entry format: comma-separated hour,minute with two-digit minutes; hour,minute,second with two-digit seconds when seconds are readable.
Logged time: 9,53
